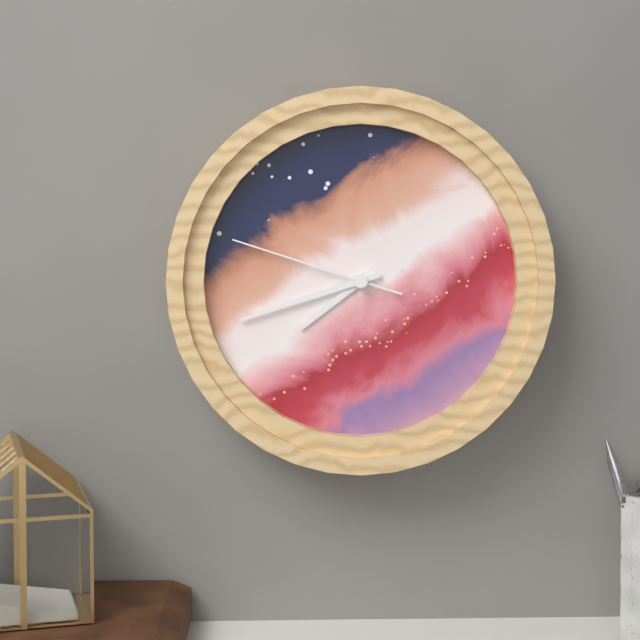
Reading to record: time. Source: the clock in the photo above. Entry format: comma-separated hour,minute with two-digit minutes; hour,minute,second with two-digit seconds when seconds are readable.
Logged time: 7,42,48
